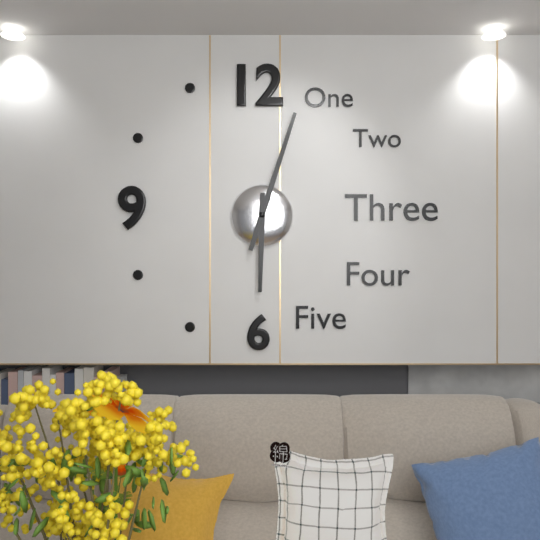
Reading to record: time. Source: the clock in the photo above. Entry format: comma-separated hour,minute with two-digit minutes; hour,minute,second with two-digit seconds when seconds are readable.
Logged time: 6,03
